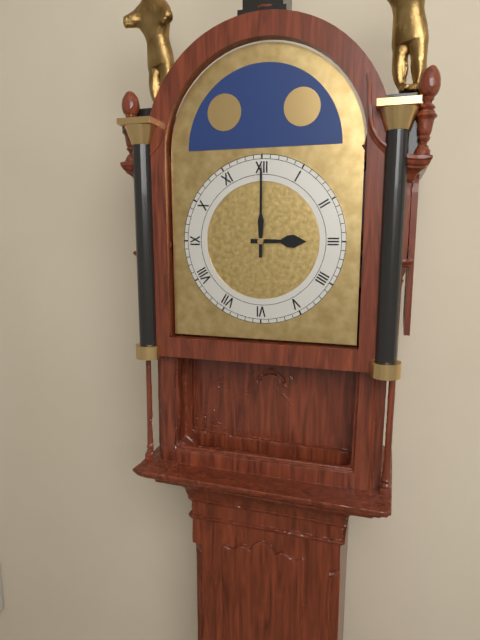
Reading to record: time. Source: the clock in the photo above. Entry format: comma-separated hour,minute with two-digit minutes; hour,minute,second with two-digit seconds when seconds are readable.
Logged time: 3,00
